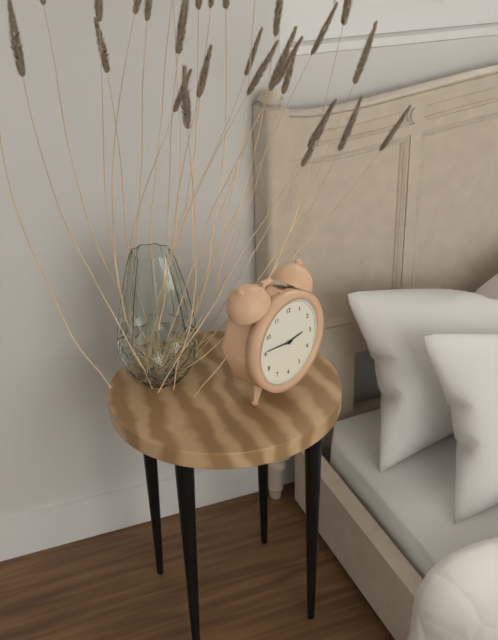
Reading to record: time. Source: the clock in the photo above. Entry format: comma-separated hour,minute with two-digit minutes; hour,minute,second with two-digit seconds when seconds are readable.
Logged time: 2,46
